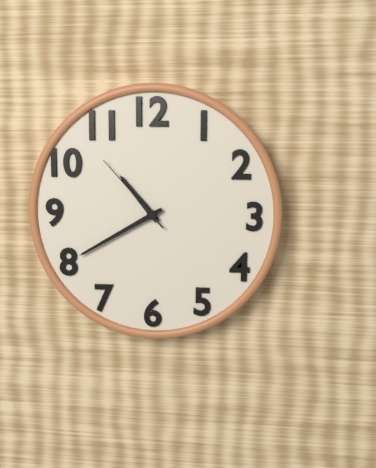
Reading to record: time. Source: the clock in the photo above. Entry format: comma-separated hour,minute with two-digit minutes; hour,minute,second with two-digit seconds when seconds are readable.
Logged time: 10,40,53
